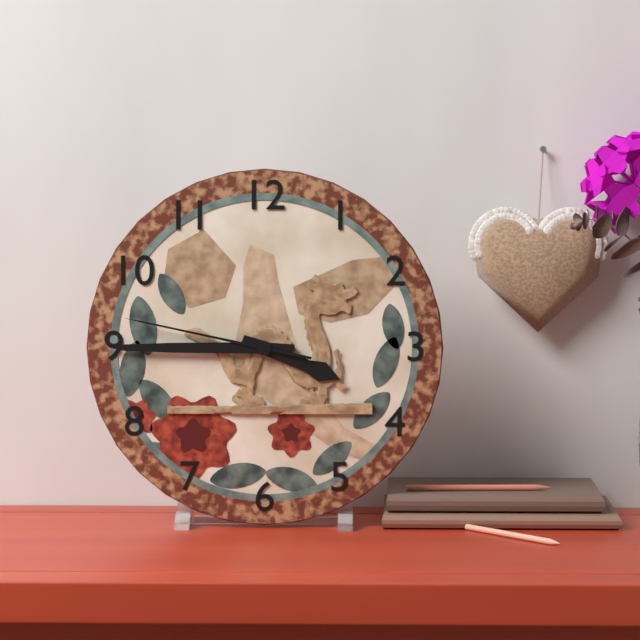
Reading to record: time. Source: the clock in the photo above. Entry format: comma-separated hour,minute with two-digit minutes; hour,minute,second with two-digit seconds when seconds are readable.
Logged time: 3,45,47
